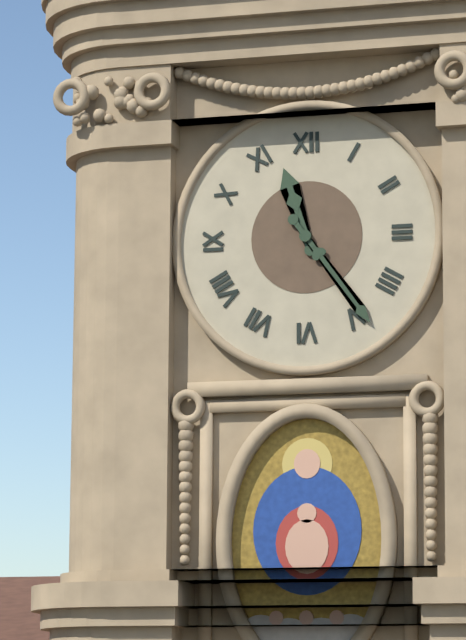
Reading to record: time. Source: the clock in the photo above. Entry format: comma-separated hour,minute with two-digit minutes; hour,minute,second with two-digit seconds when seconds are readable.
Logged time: 11,24
